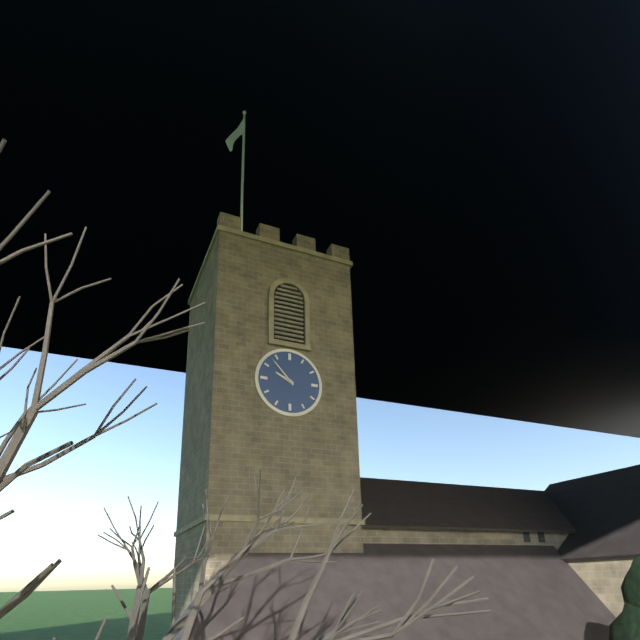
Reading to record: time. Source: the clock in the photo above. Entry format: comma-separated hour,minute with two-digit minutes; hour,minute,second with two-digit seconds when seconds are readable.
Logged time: 9,53
